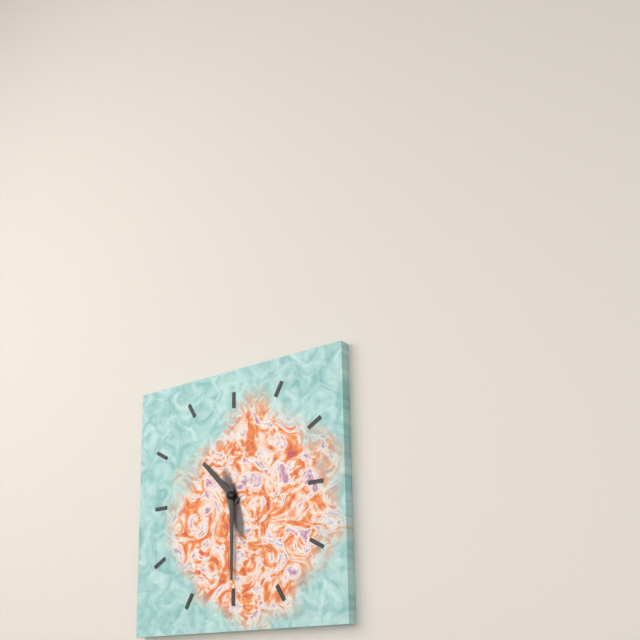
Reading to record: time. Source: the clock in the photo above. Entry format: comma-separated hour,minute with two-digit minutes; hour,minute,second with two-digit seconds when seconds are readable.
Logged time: 10,30
